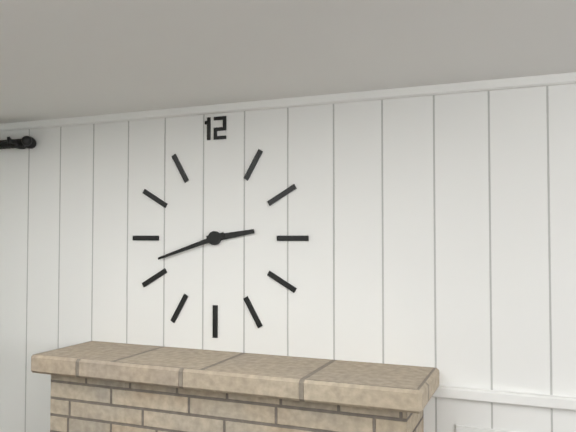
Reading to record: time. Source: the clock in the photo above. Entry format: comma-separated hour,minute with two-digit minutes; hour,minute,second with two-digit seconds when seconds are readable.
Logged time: 2,42
